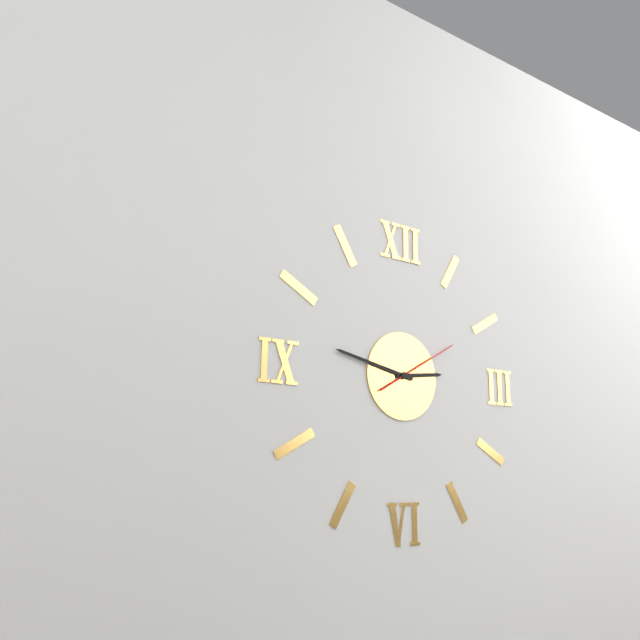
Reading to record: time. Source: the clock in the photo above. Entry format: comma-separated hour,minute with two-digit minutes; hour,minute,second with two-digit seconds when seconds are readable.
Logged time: 2,47,10
